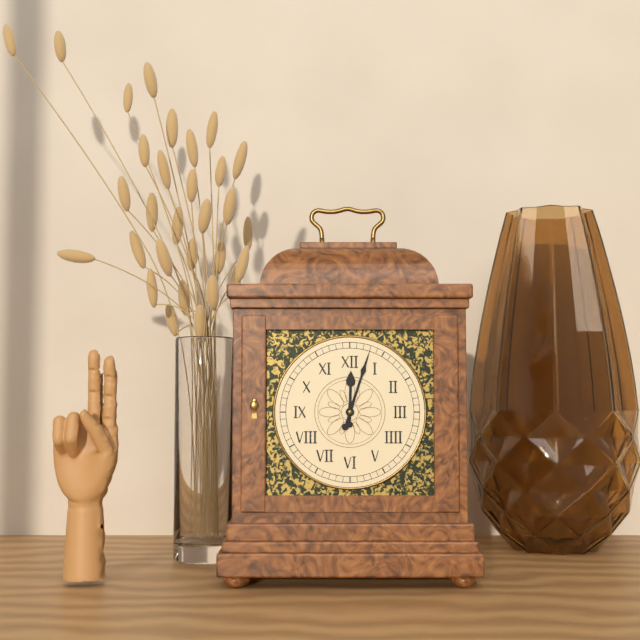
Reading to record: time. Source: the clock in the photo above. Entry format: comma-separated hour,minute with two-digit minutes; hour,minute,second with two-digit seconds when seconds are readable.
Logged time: 12,03
